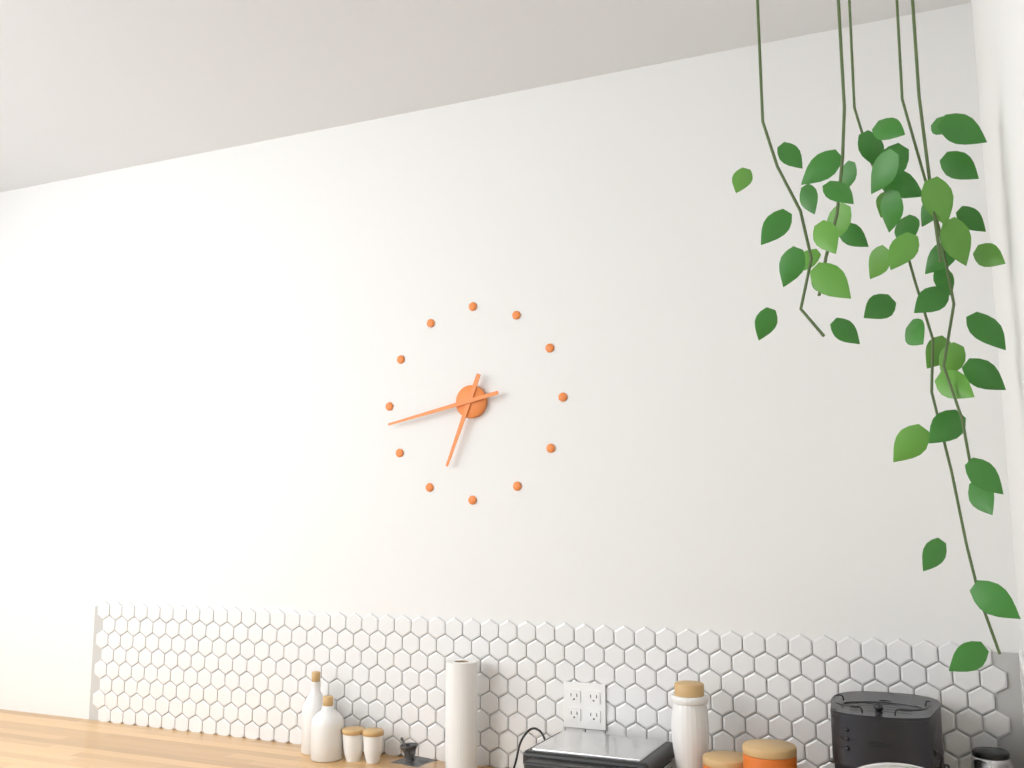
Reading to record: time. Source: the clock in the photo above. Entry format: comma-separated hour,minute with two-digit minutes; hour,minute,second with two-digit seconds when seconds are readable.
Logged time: 6,43
